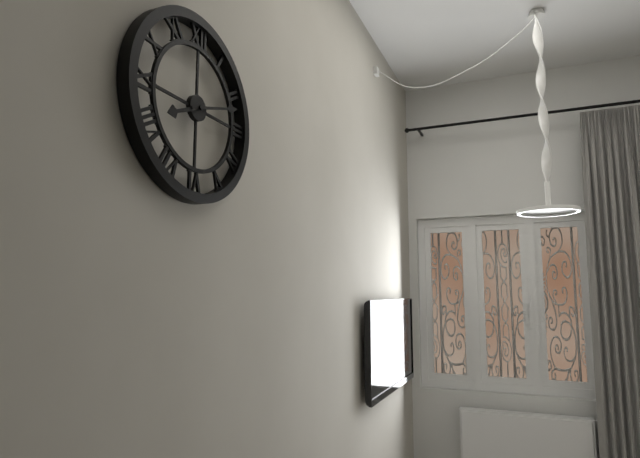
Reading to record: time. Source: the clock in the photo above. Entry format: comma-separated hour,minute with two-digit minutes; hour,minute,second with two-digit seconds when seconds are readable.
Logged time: 8,12
